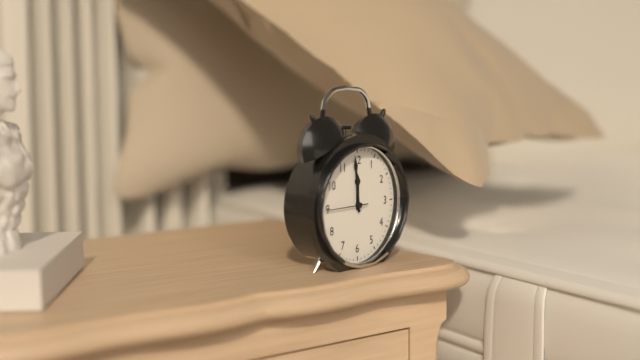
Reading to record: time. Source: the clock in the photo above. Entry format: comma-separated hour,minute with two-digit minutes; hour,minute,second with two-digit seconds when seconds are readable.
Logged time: 11,59
